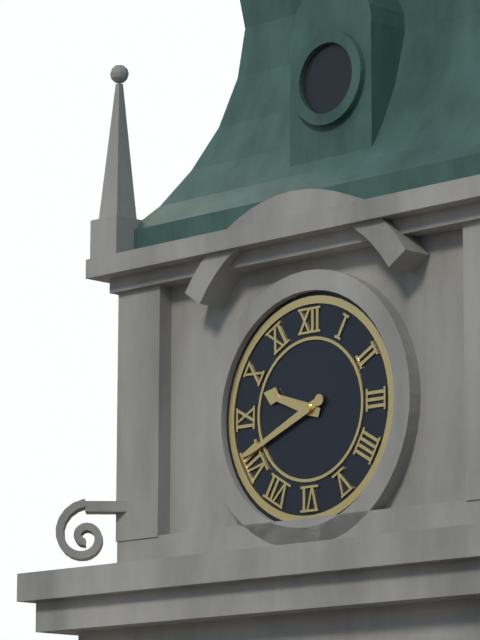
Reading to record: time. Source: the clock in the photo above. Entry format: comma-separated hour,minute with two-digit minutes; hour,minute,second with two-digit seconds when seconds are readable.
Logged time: 9,41
